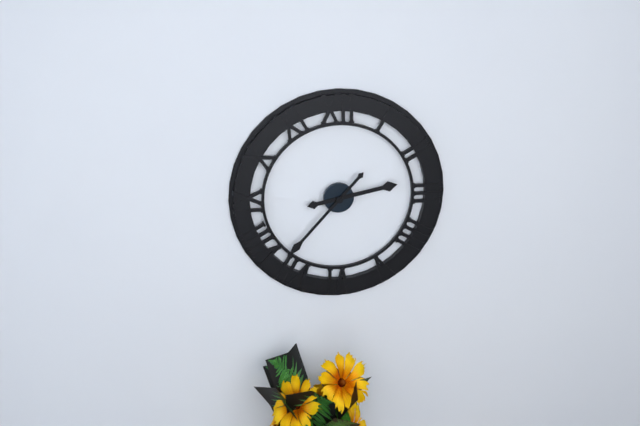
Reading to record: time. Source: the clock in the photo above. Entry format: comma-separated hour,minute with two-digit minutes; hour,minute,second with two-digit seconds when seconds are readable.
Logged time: 2,37
